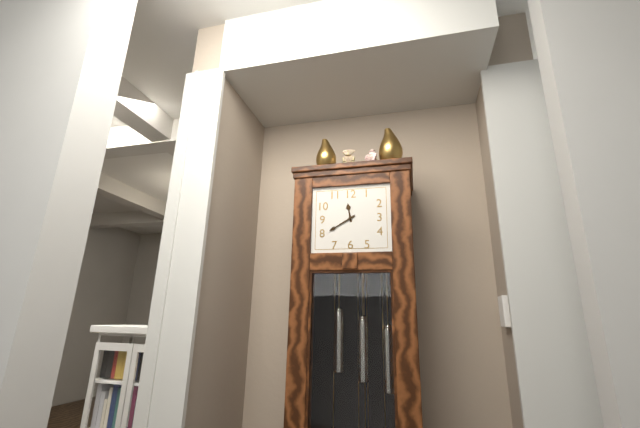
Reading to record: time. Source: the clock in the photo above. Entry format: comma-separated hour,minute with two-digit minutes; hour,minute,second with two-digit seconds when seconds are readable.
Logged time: 11,40
